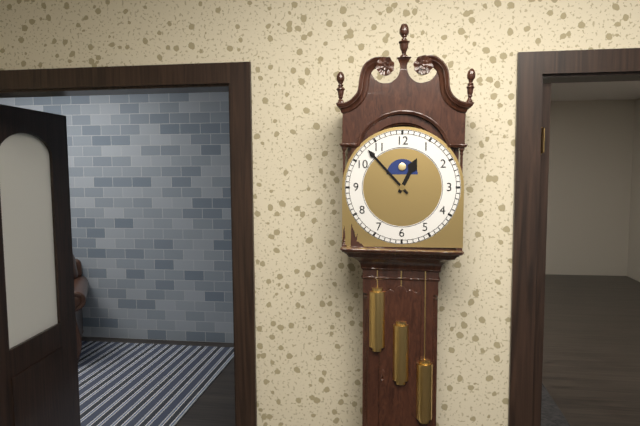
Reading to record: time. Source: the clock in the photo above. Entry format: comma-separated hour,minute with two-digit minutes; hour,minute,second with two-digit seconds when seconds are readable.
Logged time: 12,53
